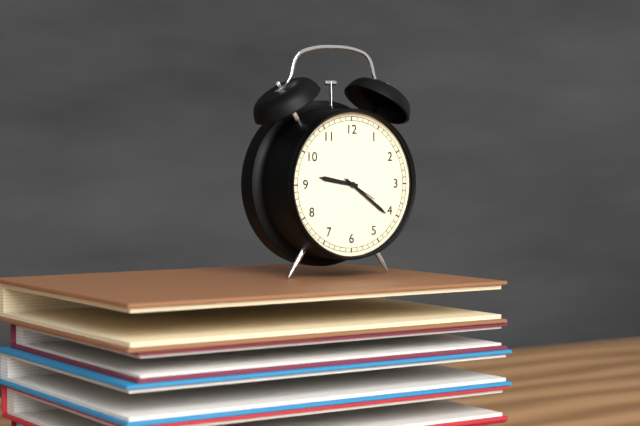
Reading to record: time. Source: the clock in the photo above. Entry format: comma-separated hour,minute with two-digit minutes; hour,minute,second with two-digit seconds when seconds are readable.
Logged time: 9,21
